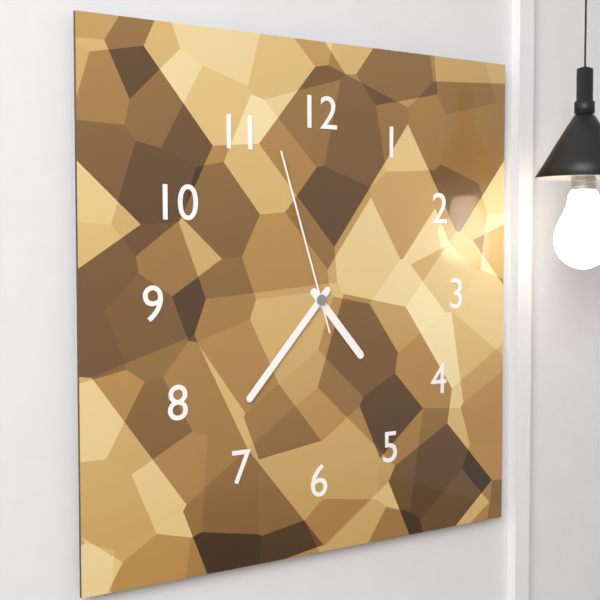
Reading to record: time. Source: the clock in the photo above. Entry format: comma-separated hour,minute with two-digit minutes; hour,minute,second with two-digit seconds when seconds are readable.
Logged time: 4,37,57
